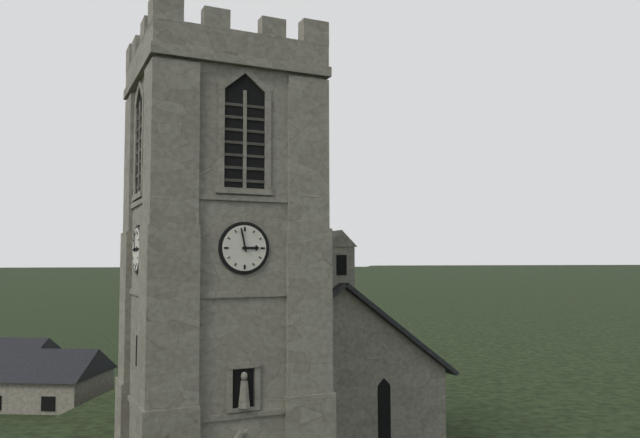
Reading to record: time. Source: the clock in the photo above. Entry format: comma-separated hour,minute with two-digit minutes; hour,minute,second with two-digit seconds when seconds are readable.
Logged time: 2,58
